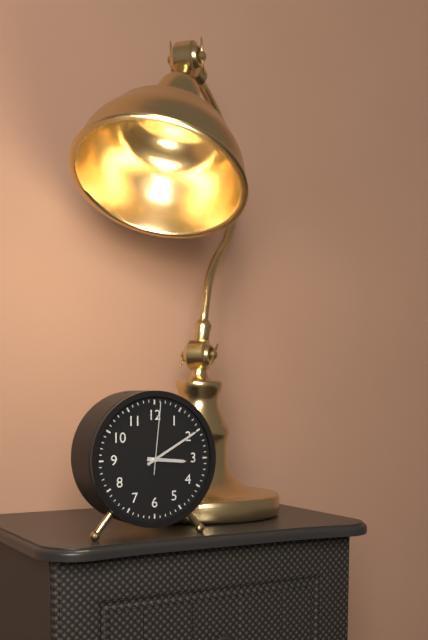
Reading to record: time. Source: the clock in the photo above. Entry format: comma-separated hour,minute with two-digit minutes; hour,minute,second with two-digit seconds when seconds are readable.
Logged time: 3,10,01
